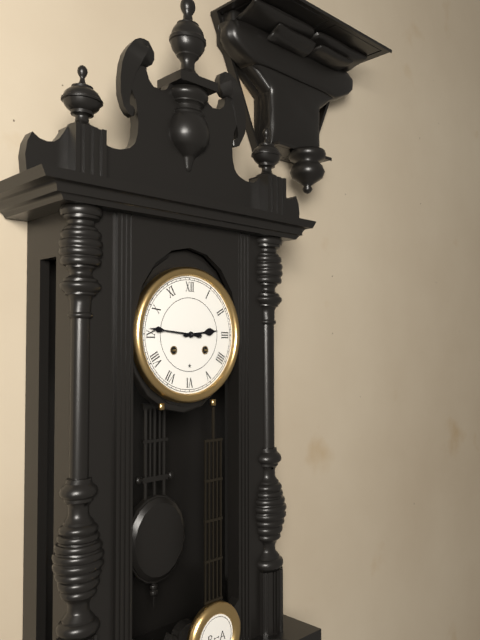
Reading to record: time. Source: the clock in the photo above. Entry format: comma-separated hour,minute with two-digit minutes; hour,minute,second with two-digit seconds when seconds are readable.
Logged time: 2,46
